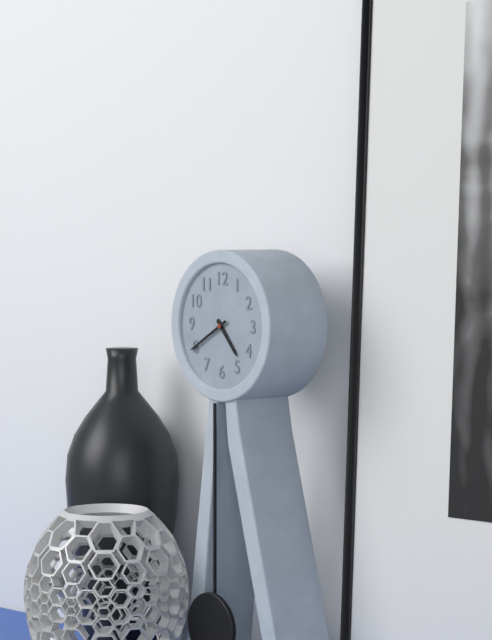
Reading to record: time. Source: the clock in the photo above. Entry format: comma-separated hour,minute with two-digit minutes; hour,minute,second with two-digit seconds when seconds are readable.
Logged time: 4,40
